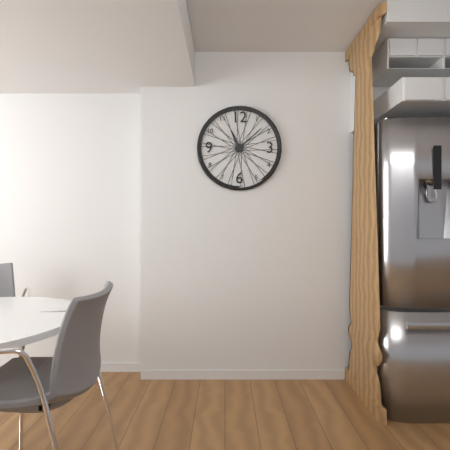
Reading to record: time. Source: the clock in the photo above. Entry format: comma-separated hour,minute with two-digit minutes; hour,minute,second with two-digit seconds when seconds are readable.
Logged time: 11,08
